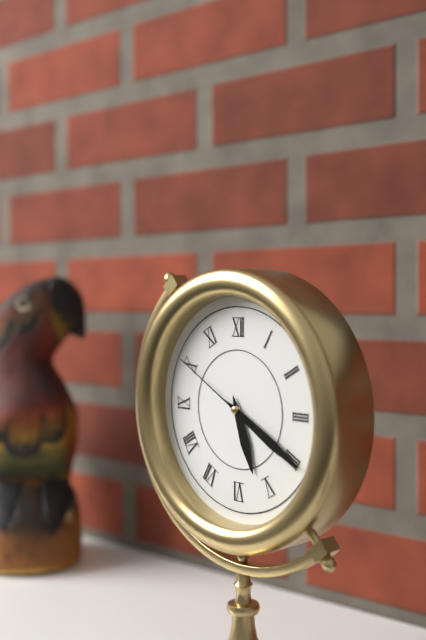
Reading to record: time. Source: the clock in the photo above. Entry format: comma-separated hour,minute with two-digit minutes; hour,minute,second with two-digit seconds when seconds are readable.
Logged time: 5,20,50
